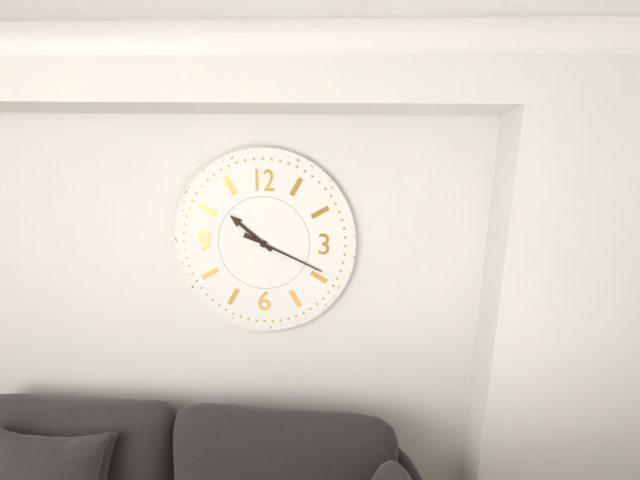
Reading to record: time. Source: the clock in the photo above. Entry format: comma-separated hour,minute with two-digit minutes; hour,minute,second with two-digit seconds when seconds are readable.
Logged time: 10,19
